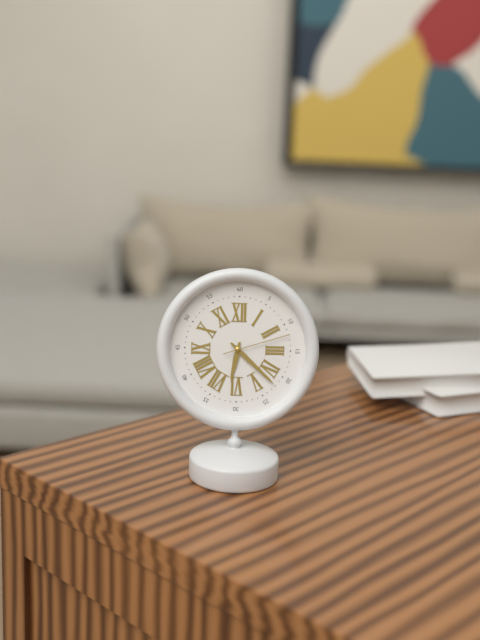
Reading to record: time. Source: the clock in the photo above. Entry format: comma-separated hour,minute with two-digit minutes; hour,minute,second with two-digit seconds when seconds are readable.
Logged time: 6,22,12
